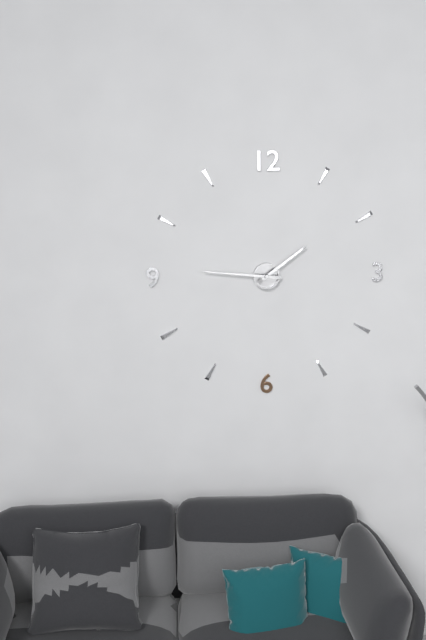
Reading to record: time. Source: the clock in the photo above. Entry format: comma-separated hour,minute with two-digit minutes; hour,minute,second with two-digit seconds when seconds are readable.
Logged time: 1,46
